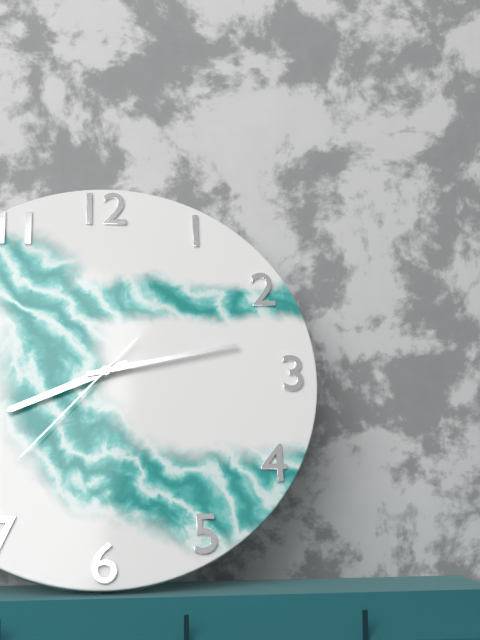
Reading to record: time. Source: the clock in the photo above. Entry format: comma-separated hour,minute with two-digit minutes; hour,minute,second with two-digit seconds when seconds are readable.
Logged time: 8,13,37
